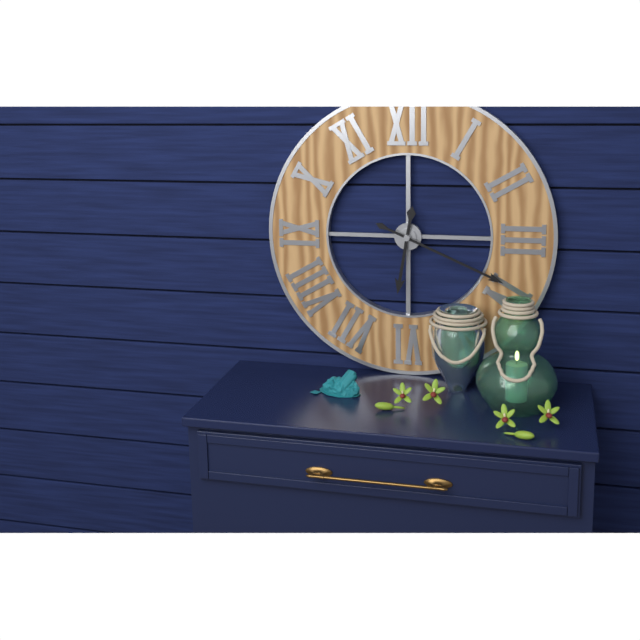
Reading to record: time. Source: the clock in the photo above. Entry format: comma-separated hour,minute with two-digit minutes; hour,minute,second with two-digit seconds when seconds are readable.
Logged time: 6,19
